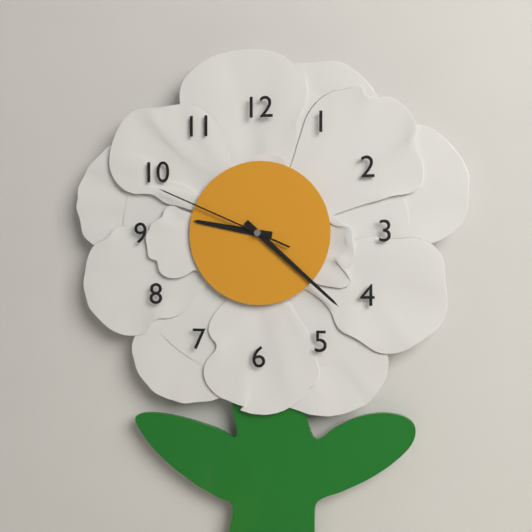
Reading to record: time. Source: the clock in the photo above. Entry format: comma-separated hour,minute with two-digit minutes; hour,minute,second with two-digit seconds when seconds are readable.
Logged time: 9,22,49
